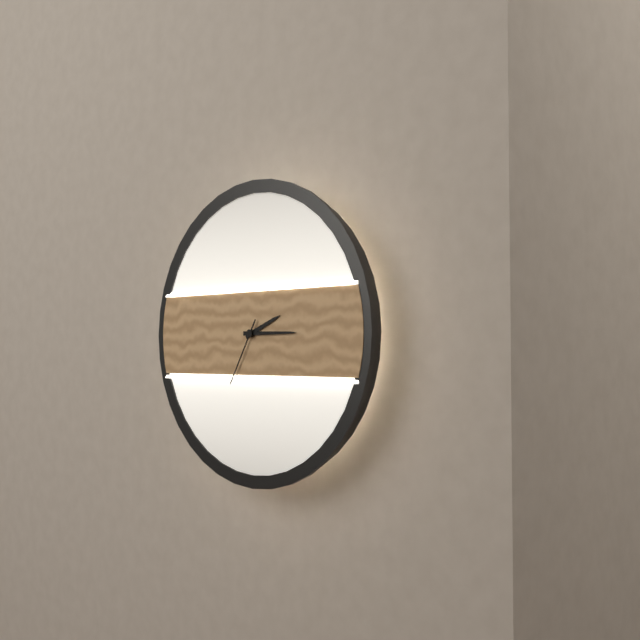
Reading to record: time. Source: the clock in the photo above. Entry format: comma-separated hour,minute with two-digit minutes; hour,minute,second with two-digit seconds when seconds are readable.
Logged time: 2,15,35
